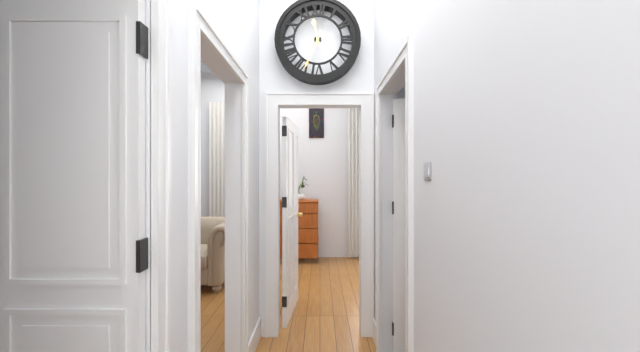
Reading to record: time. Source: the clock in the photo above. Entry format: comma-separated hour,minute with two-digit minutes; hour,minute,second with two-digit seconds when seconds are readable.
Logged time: 11,34
